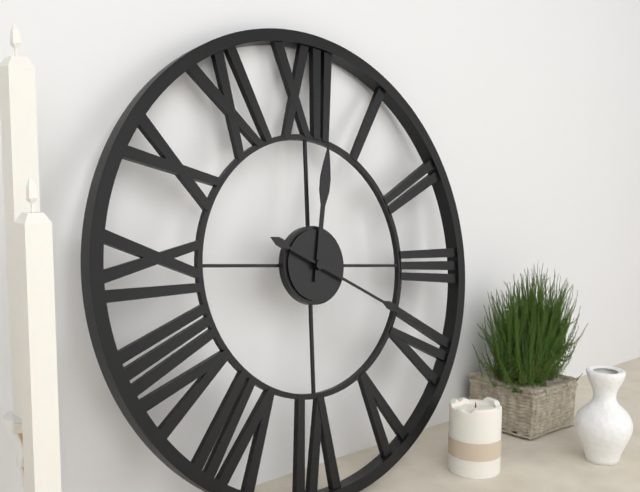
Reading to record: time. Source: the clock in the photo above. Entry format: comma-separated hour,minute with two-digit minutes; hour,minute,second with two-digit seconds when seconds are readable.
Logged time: 12,19
